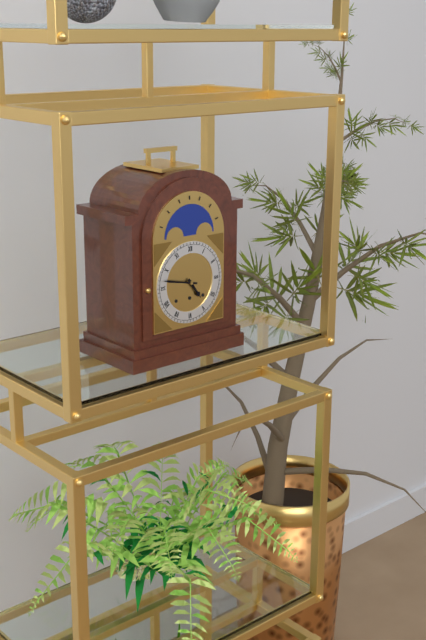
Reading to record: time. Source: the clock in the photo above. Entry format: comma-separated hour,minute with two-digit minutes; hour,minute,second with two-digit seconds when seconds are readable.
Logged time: 4,47
